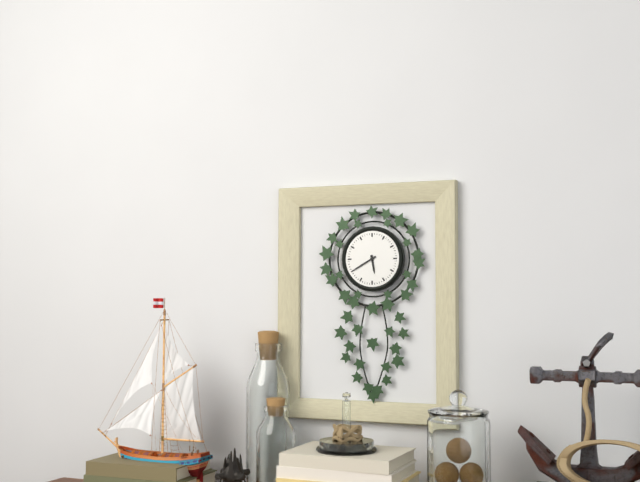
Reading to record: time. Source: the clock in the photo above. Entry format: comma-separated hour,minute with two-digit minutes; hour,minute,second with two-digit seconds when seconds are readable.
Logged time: 5,40
